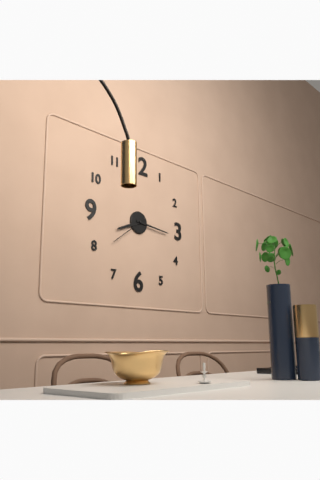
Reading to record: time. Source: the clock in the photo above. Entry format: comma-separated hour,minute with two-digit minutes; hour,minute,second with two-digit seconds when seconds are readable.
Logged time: 8,16
